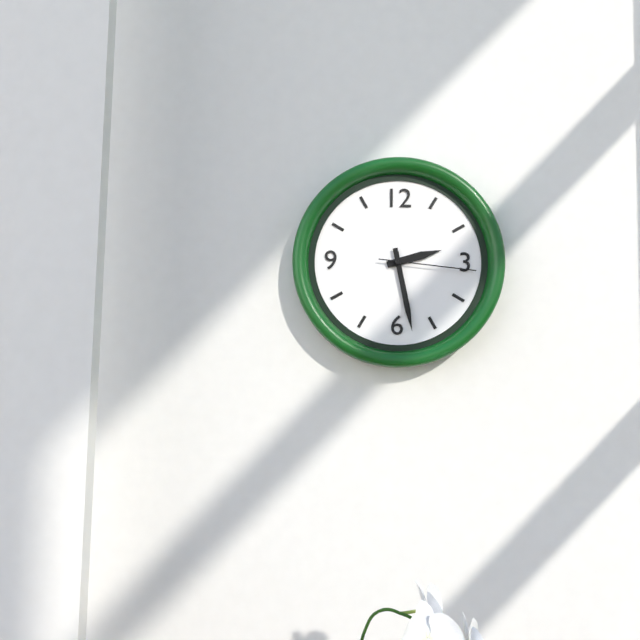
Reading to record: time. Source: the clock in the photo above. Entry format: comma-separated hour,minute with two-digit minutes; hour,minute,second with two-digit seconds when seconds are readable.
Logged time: 2,28,16
